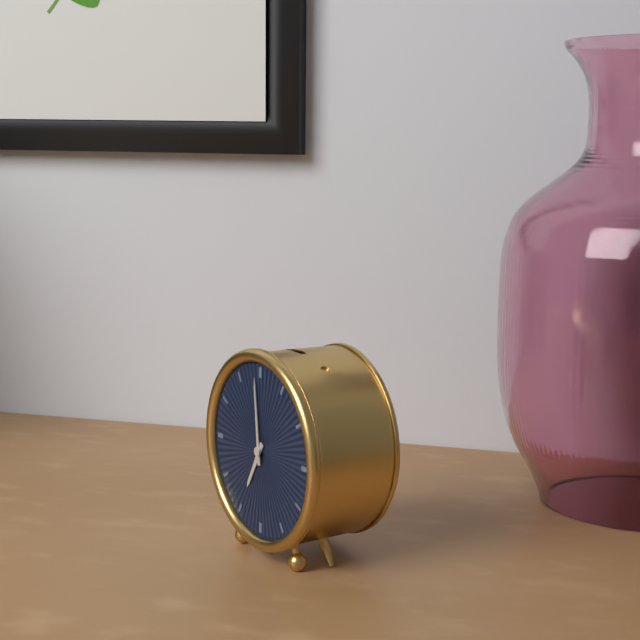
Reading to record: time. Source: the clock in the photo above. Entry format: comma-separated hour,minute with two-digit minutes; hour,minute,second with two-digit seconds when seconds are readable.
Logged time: 6,59
